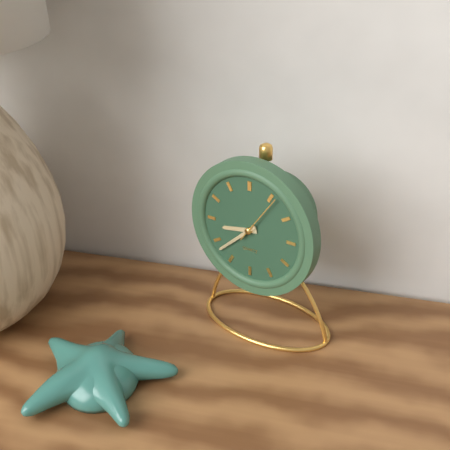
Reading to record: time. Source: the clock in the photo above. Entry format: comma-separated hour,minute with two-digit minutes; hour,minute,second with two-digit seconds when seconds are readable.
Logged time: 8,38
